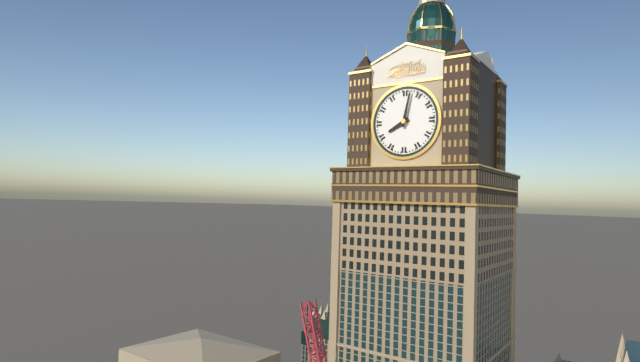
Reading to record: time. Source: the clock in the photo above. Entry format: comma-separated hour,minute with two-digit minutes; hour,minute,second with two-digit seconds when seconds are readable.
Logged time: 8,02
